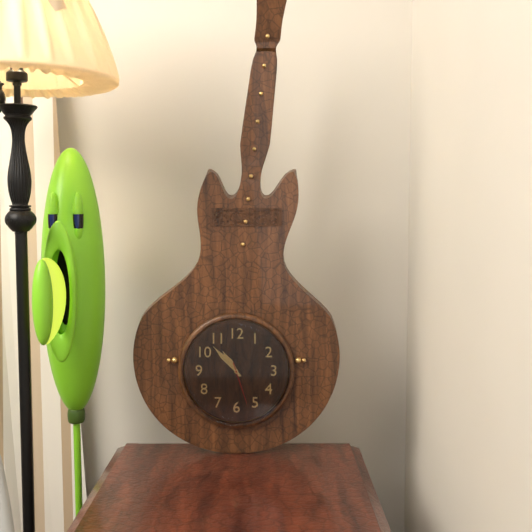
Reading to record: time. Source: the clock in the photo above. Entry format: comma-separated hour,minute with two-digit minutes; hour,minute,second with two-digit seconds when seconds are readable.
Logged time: 10,53
